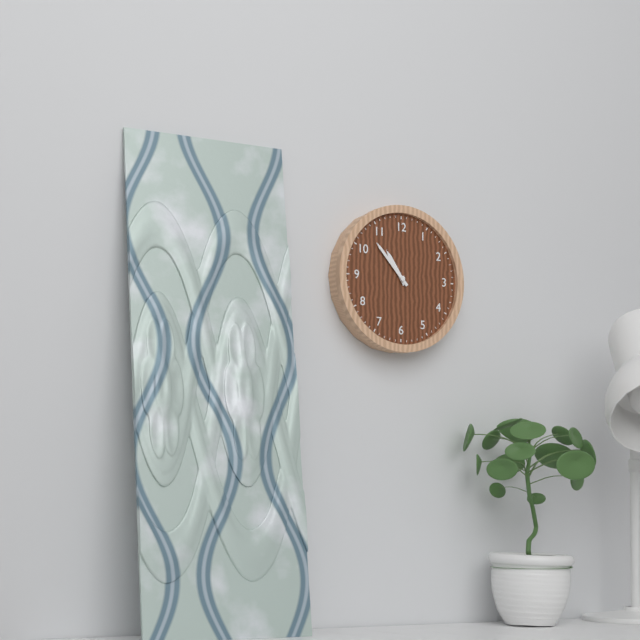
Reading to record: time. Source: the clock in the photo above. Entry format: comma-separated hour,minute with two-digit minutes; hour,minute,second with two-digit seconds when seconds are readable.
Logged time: 10,53
